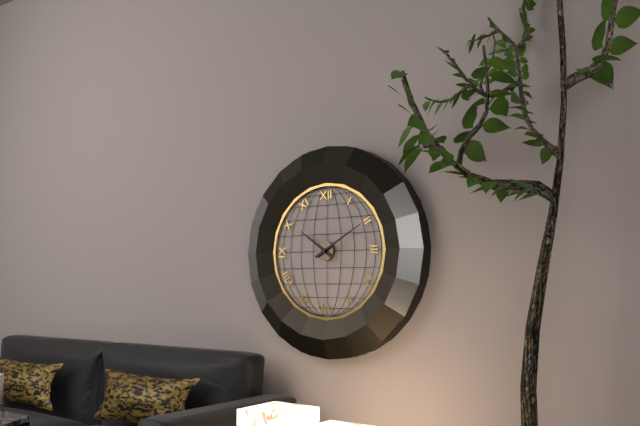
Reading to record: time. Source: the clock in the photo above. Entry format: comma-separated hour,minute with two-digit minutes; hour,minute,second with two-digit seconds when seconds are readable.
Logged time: 10,10
